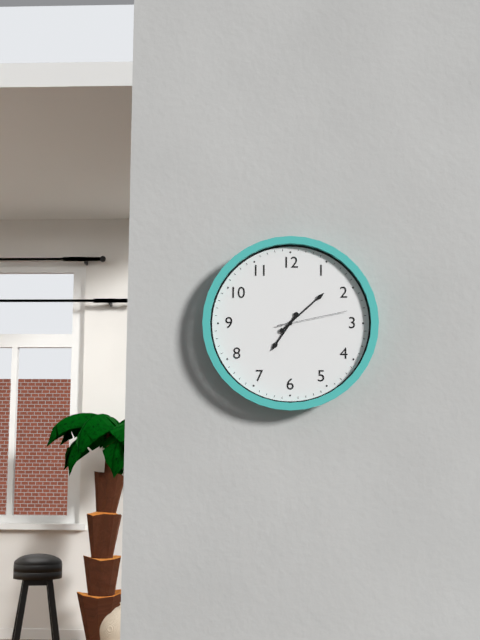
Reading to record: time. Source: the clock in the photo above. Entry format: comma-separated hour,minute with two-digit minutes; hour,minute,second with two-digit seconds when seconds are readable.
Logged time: 7,08,13
